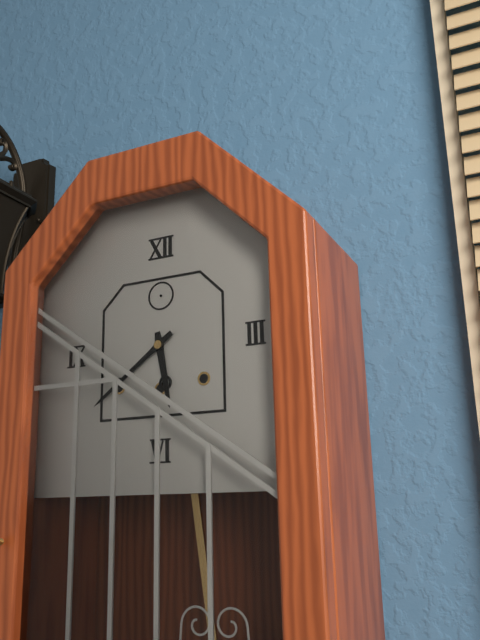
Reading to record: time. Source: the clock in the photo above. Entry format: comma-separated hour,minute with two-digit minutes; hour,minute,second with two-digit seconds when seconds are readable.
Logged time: 5,39
